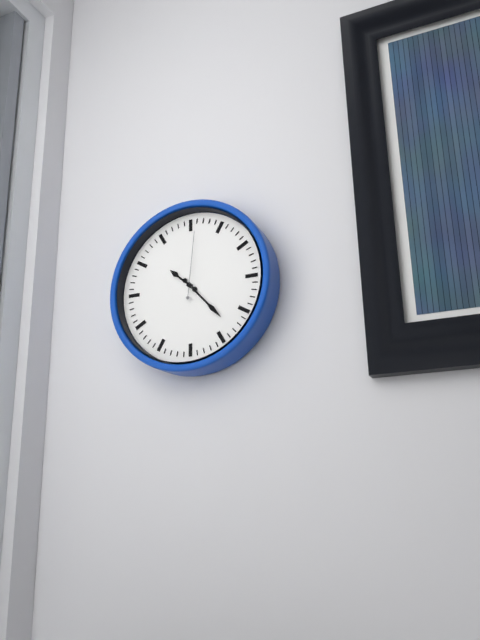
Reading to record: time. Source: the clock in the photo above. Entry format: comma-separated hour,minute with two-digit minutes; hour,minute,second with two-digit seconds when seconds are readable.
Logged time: 10,23,01
